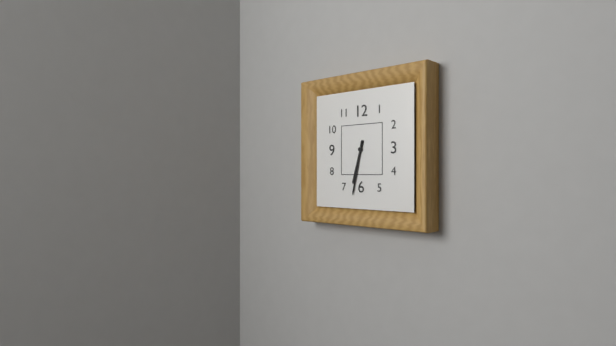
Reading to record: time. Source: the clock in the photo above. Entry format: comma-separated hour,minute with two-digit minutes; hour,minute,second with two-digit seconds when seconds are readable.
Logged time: 6,32
